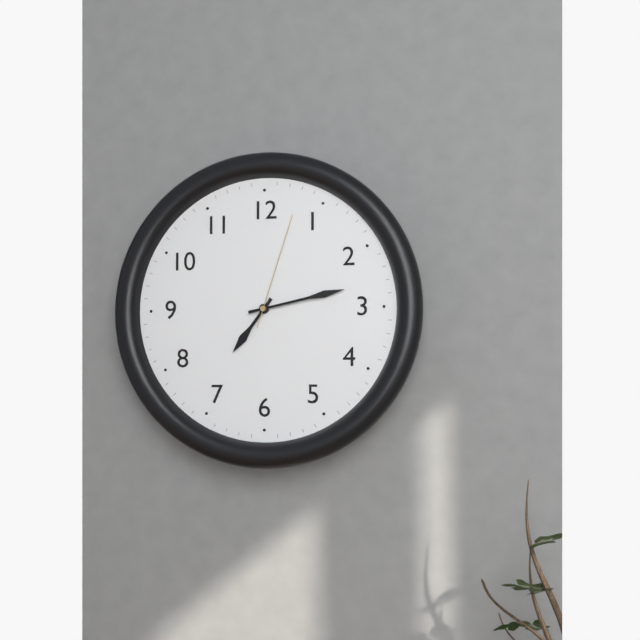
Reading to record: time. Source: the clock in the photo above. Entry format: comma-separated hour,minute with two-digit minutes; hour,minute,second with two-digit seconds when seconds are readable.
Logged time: 7,13,03
